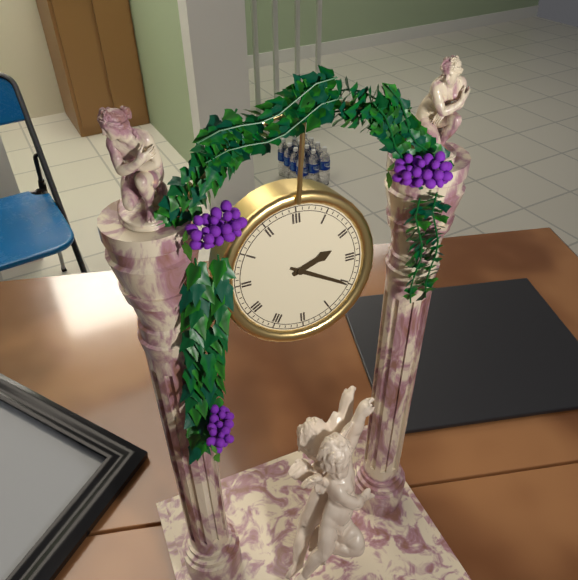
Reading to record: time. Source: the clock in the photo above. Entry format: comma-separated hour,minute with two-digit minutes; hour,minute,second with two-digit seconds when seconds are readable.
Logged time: 2,20
